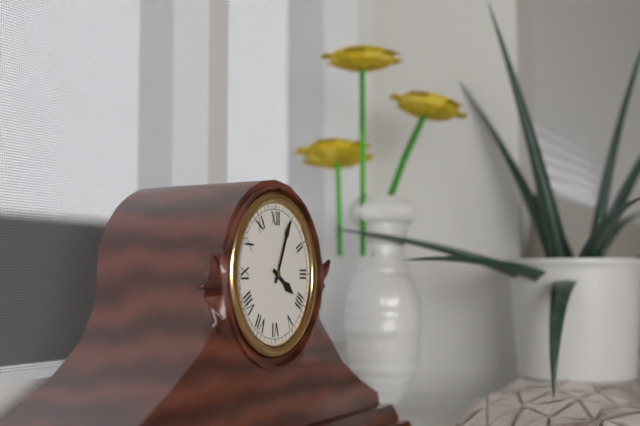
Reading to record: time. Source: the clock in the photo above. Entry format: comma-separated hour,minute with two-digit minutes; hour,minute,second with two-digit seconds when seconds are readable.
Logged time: 4,04
